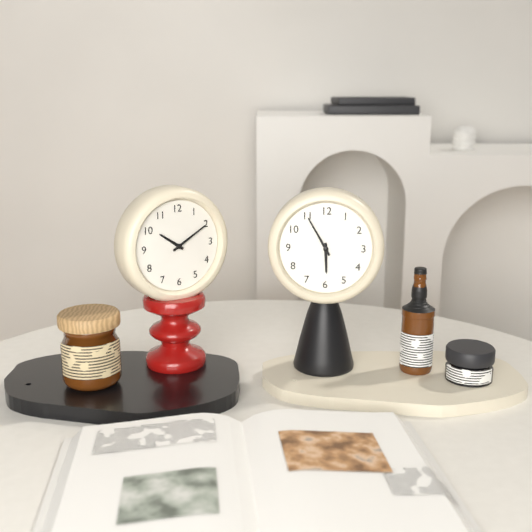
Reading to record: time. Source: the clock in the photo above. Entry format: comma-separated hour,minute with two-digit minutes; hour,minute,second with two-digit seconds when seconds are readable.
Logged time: 5,55
